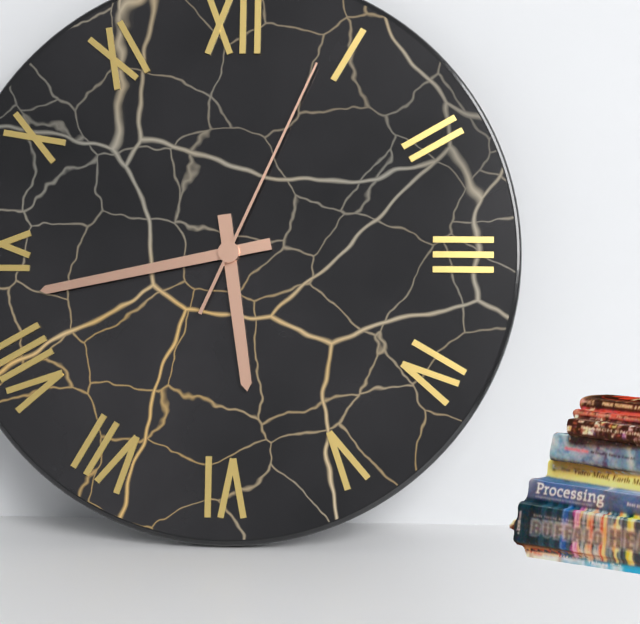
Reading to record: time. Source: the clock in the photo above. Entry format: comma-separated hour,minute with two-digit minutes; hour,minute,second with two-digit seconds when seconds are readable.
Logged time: 5,43,04
